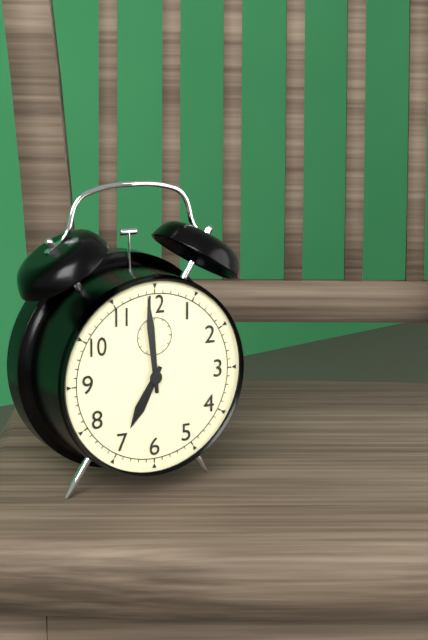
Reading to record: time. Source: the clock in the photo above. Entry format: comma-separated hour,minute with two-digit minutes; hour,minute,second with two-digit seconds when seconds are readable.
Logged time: 6,59
